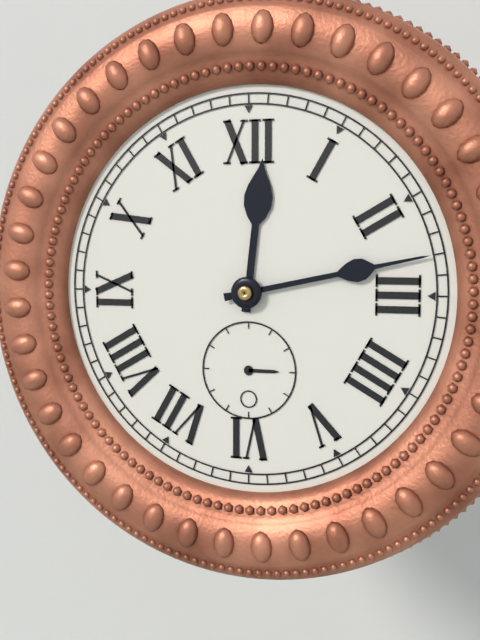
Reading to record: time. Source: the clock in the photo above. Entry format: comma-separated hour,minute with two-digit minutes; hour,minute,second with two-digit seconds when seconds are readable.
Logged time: 12,13
